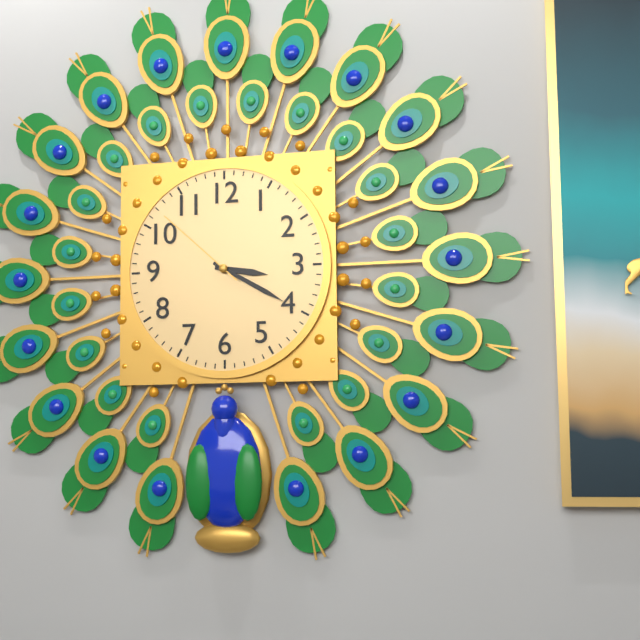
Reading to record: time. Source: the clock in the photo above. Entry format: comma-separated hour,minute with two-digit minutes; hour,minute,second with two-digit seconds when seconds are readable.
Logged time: 3,20,52
